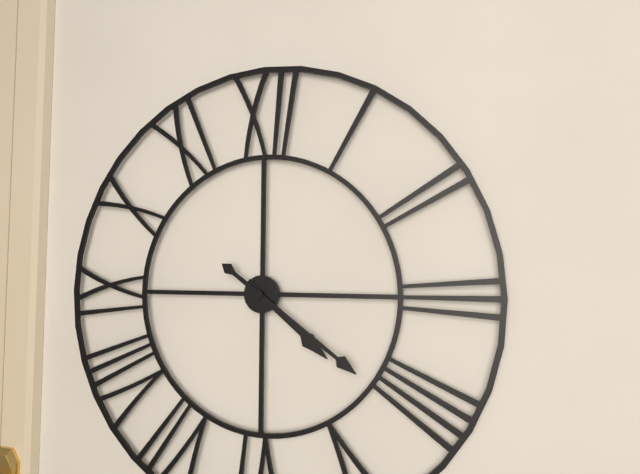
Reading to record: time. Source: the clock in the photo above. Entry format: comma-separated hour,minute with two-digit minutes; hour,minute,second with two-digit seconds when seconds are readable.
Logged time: 4,21
